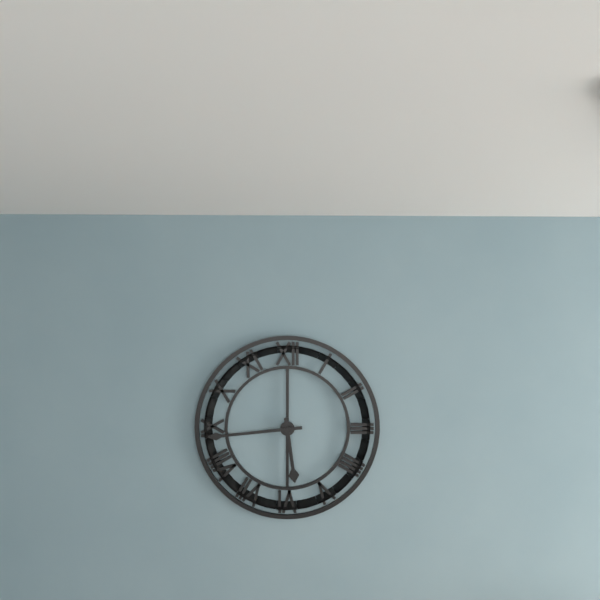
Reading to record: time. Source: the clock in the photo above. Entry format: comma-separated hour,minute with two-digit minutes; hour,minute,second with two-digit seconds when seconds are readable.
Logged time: 5,44
